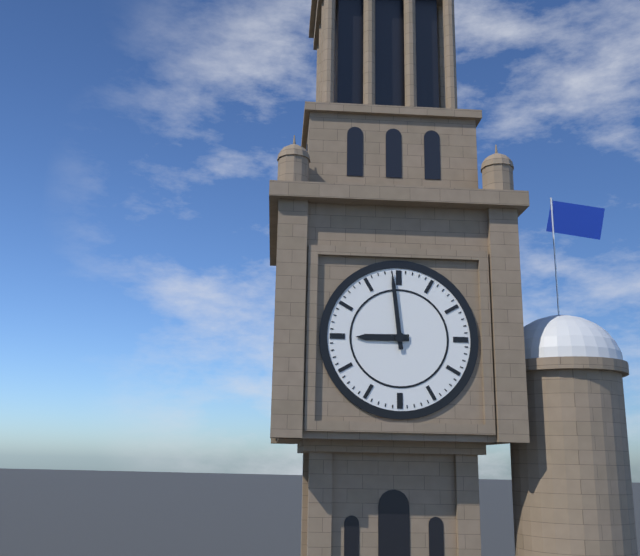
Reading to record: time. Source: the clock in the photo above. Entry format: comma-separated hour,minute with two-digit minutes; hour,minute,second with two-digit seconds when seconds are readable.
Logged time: 8,59
